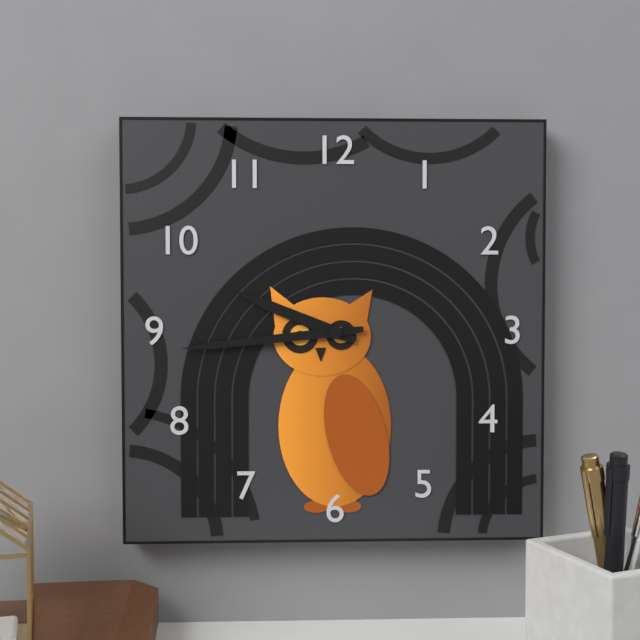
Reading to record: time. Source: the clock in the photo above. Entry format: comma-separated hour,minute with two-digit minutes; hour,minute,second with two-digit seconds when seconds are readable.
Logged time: 9,44
